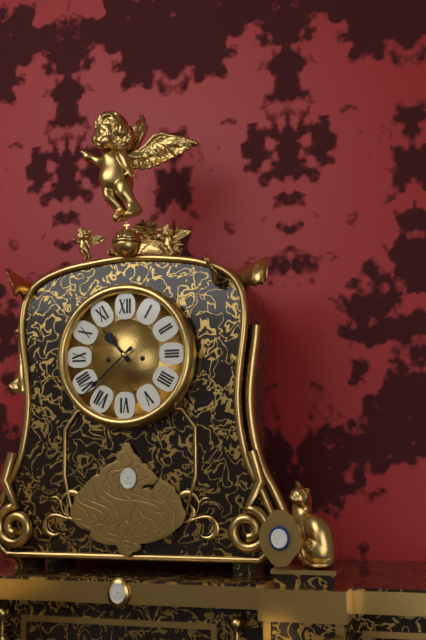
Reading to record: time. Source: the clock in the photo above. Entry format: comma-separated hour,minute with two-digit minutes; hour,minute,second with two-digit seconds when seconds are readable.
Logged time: 10,38
